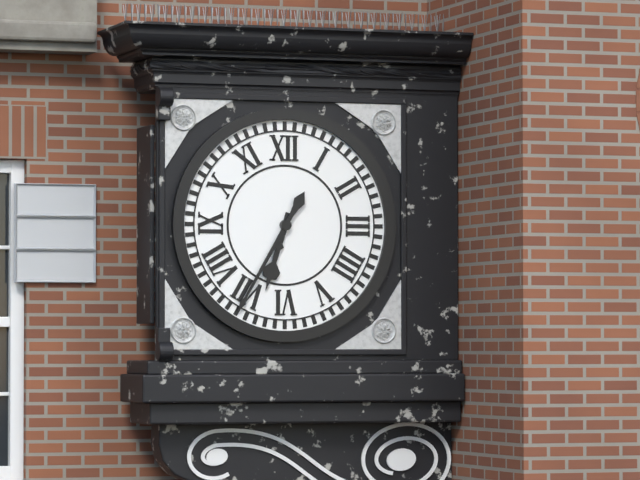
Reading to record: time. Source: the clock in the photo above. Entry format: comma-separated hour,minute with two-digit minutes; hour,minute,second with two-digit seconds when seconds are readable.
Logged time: 6,35
